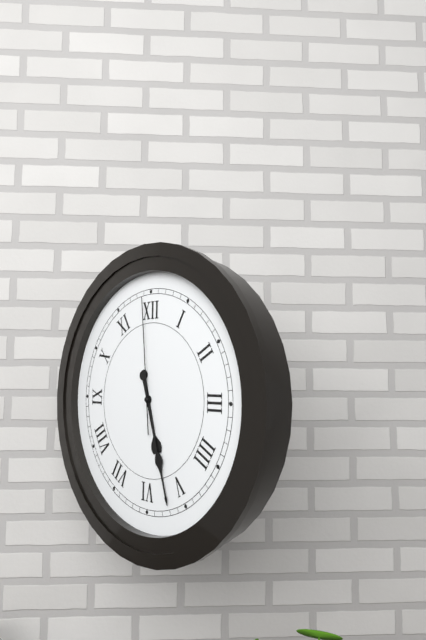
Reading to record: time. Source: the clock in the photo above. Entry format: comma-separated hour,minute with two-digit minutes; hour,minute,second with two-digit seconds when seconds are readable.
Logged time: 5,27,59
